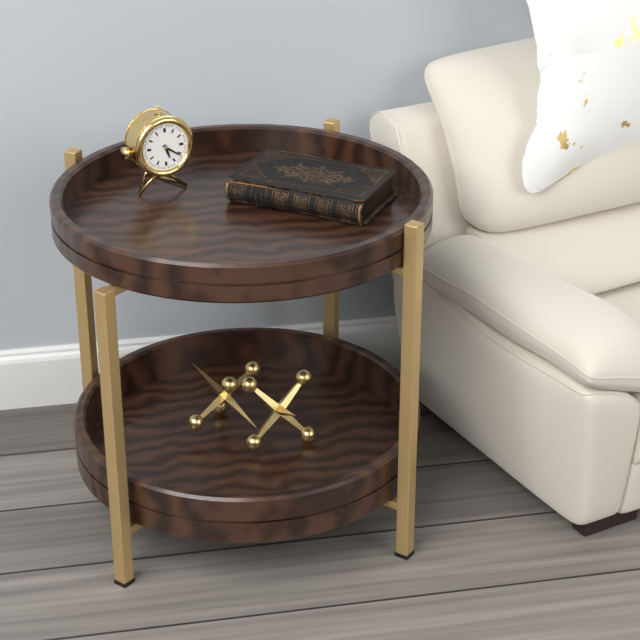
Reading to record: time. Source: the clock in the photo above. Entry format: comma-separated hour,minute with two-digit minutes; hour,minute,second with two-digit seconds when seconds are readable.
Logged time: 5,21
